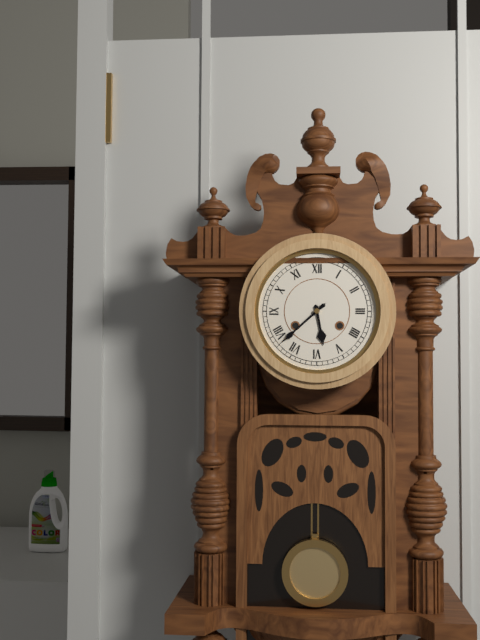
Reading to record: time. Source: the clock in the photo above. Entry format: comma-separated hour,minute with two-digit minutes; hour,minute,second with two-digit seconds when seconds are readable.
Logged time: 5,38
